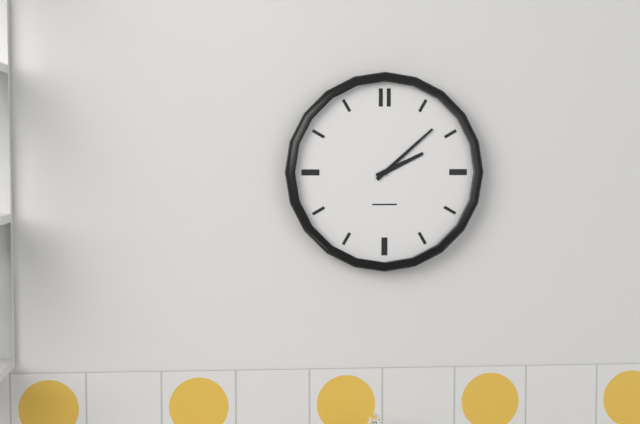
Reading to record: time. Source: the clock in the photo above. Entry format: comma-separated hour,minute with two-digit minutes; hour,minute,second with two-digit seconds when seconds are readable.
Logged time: 2,08
